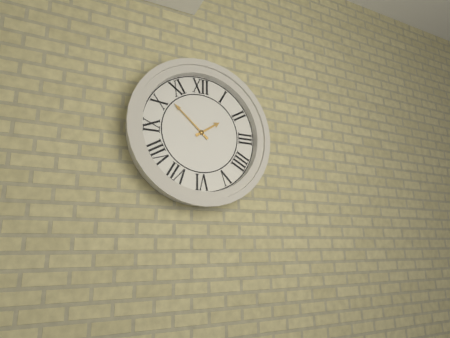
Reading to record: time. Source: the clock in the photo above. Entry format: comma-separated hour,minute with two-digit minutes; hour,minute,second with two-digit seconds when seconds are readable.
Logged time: 1,52
